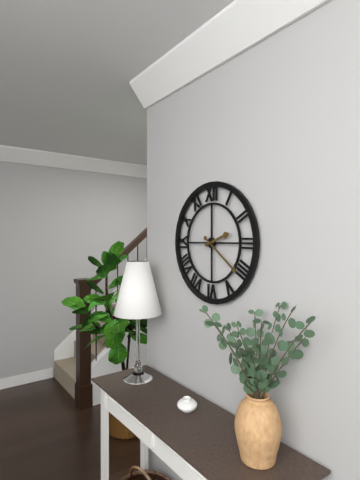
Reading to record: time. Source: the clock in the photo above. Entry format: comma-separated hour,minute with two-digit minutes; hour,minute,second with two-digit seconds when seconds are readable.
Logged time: 2,21
